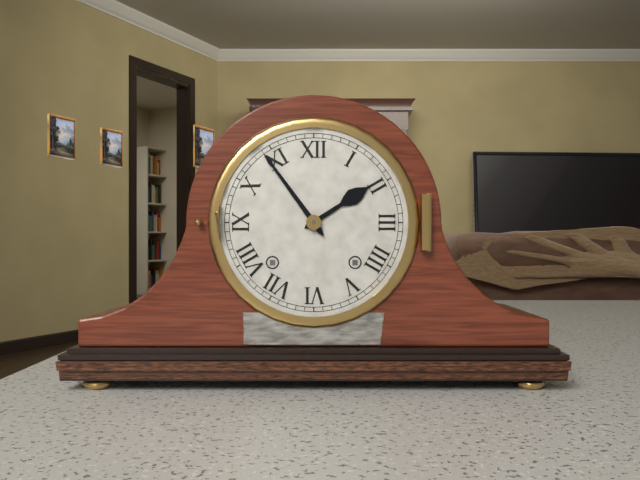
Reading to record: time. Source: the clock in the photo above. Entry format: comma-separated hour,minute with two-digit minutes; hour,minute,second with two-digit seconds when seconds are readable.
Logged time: 1,54
